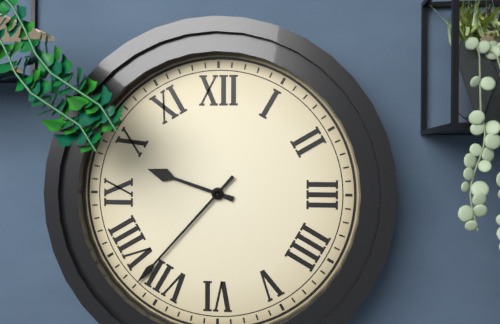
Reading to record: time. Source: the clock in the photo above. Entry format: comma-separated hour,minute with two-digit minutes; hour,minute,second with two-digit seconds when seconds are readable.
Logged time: 9,37
